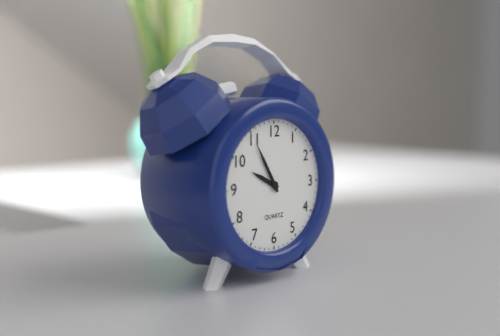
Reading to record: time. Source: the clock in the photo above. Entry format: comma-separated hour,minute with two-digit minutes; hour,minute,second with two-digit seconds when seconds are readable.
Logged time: 9,55
